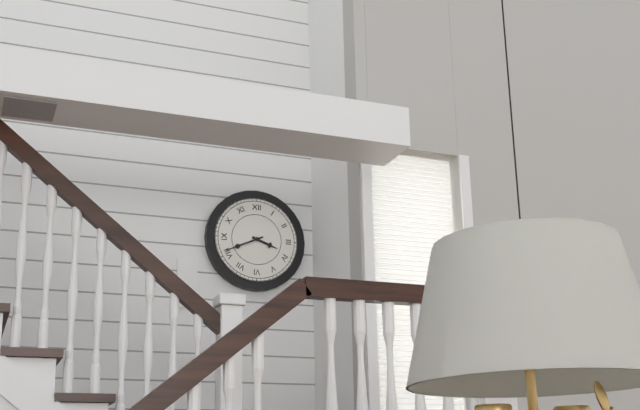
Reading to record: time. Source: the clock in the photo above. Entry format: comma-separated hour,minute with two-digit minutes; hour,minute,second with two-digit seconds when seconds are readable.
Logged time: 3,41
